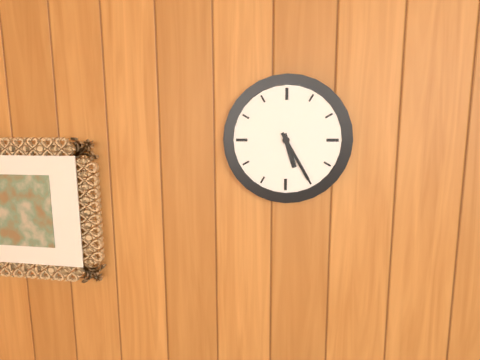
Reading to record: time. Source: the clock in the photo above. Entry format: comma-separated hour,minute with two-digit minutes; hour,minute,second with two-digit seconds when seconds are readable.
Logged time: 5,25
